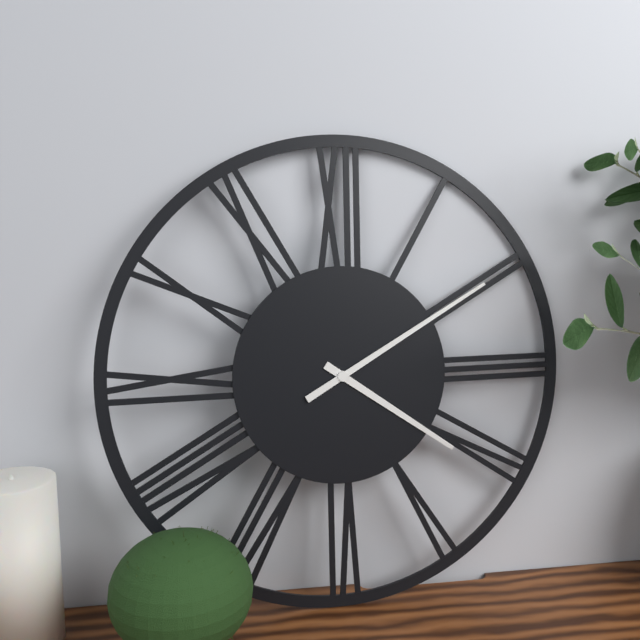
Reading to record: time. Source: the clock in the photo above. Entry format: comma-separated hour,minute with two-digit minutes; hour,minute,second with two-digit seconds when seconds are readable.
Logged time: 4,10
